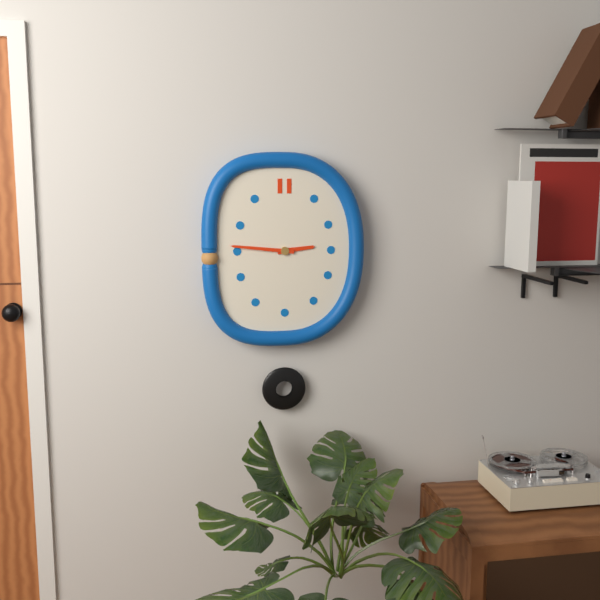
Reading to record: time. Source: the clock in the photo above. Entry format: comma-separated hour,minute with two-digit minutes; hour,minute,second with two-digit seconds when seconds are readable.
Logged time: 2,46
